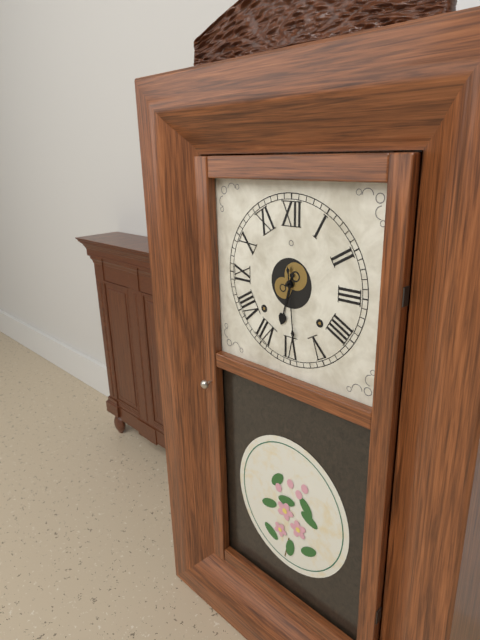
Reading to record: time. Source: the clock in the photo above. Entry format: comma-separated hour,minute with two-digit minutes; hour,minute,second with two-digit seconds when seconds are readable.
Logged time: 6,29
